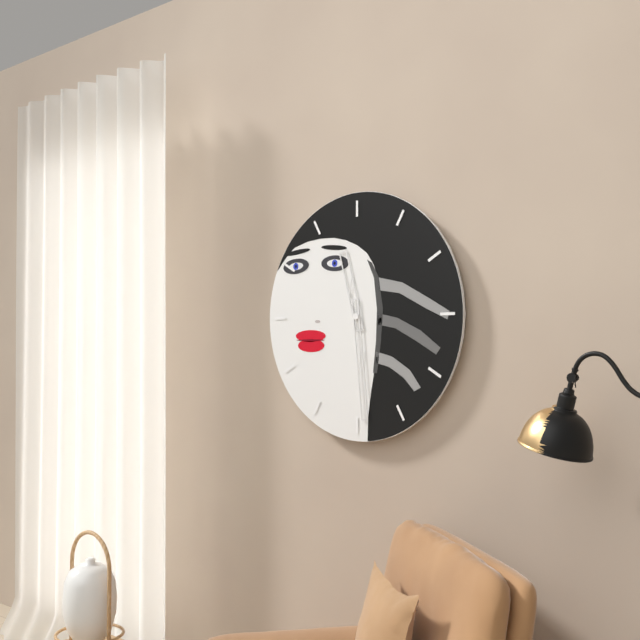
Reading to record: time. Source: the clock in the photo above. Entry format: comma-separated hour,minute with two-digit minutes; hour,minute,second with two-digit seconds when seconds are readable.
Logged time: 11,29
